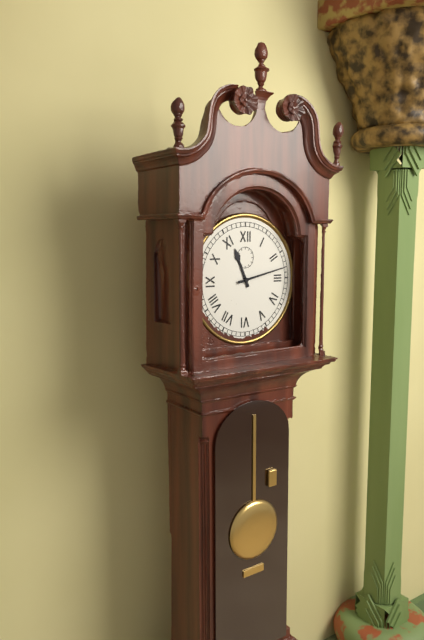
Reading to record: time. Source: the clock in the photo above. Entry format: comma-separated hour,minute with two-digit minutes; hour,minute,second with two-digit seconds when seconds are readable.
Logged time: 11,13
